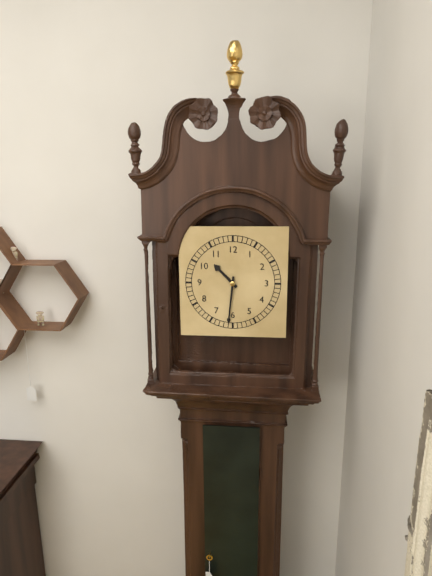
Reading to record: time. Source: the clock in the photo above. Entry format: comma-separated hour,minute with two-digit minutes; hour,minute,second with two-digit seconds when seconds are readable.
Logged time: 10,31
